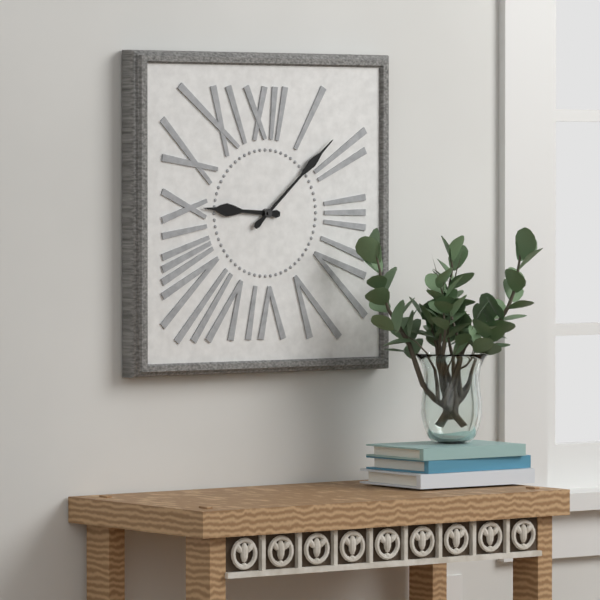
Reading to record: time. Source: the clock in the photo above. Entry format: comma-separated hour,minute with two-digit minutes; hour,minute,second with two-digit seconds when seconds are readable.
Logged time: 9,08
